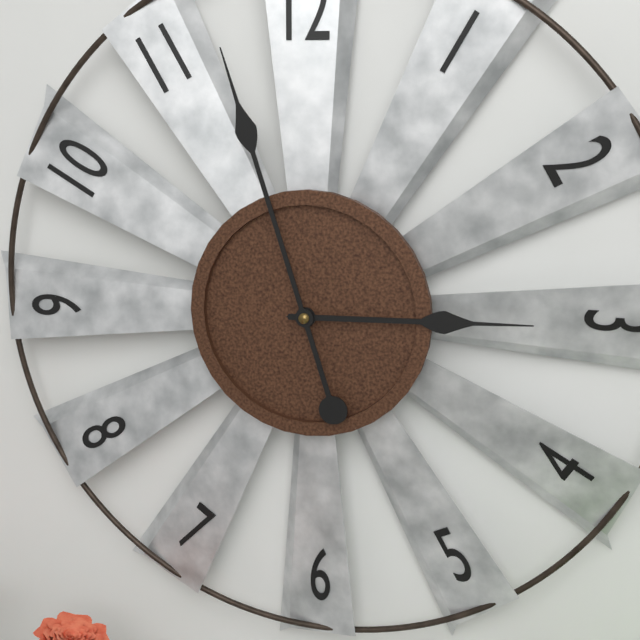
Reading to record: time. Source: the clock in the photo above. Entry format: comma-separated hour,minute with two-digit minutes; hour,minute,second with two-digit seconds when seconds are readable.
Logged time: 2,57
